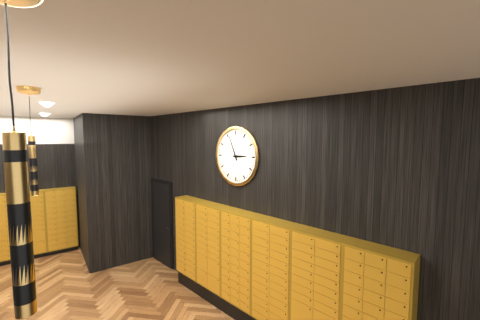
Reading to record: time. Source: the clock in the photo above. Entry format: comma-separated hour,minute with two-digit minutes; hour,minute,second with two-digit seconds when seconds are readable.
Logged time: 2,56
